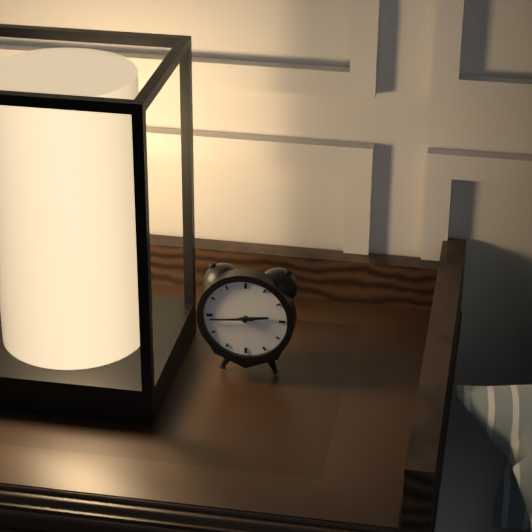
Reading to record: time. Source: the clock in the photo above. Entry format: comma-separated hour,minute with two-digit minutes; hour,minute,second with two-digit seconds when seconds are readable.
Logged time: 2,44
